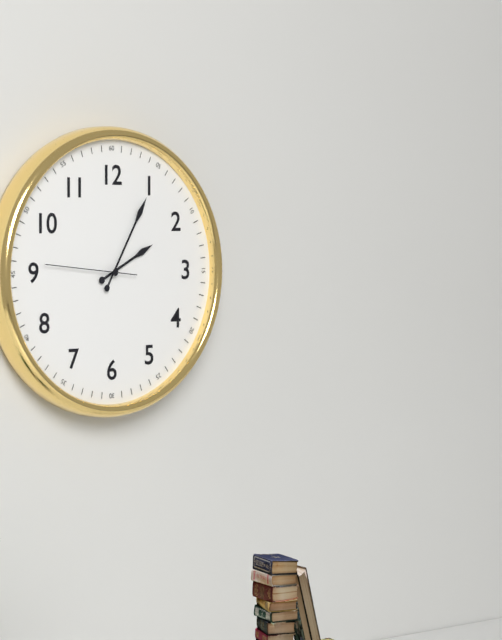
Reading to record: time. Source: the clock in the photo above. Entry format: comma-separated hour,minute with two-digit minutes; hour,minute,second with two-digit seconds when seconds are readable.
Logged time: 2,05,46
